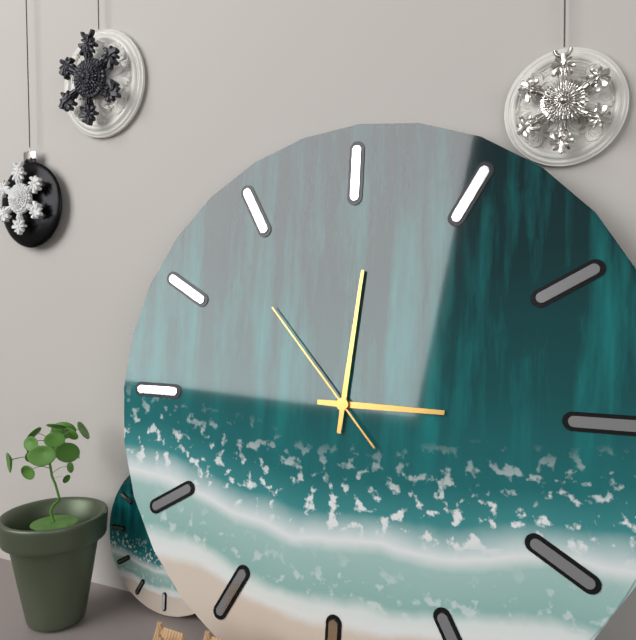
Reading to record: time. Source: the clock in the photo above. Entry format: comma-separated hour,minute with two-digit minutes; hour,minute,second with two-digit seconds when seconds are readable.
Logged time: 3,01,53
